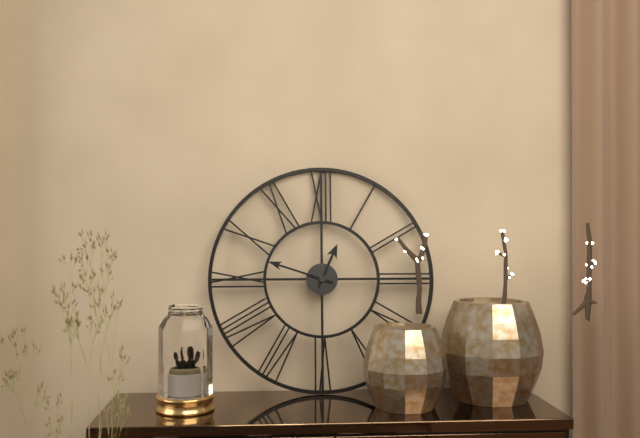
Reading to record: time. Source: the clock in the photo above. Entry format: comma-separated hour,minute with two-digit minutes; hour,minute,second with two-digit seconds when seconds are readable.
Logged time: 12,48
